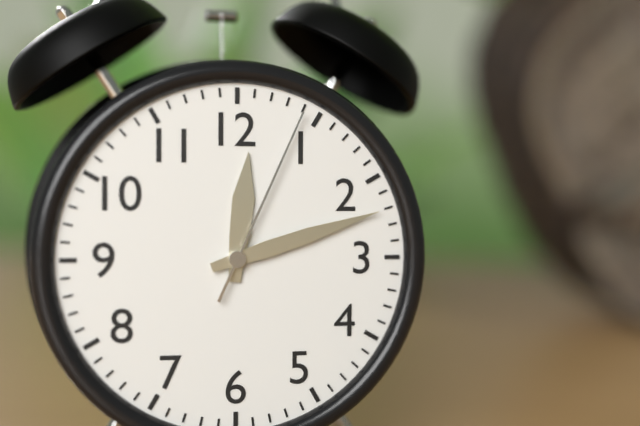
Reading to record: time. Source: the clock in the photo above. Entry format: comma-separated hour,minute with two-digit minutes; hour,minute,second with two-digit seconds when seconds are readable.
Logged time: 12,12,04
